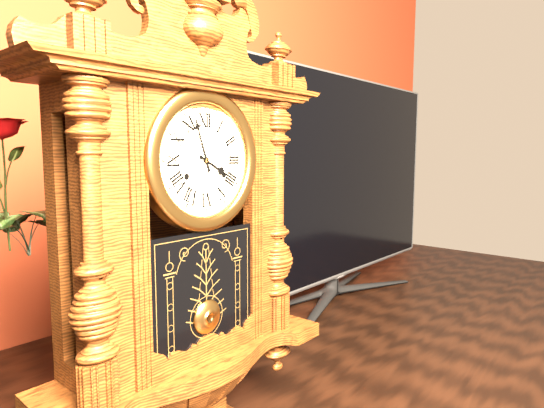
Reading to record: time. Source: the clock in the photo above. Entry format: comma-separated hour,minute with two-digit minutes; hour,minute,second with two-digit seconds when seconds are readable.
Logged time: 3,57
